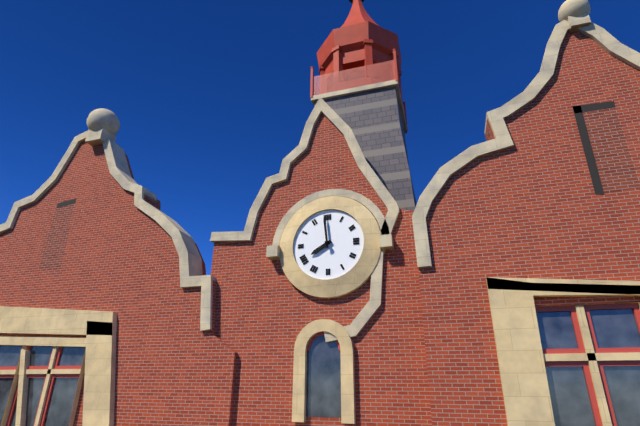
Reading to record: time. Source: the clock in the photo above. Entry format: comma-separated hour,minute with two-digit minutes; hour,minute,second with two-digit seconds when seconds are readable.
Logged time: 7,59
